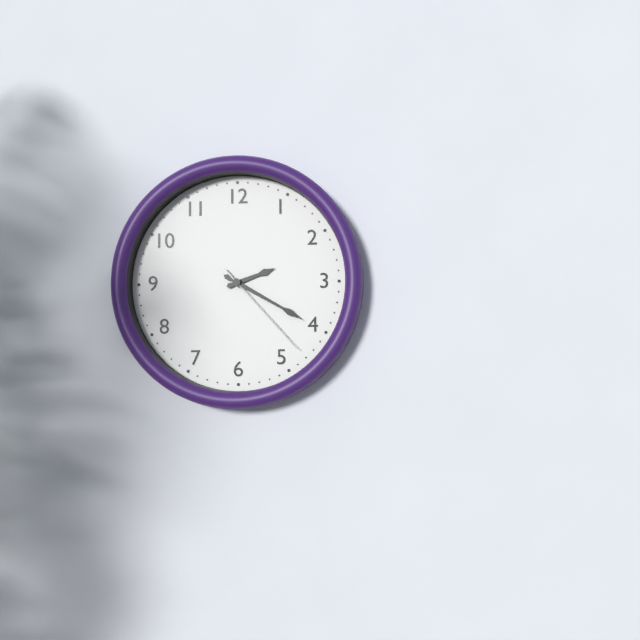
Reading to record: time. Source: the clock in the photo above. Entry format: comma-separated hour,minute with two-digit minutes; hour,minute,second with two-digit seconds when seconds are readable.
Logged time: 2,20,23
